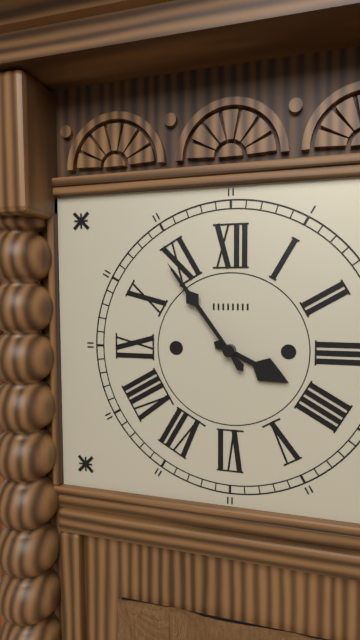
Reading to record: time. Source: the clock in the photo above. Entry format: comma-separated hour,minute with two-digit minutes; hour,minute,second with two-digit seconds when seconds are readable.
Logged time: 3,54
